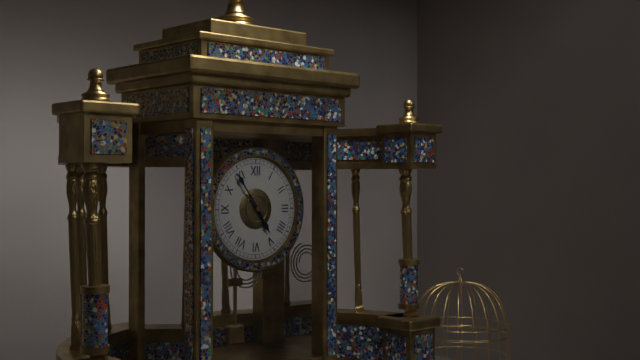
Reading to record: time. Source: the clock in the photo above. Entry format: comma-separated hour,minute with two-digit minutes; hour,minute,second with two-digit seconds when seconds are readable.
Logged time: 4,54
